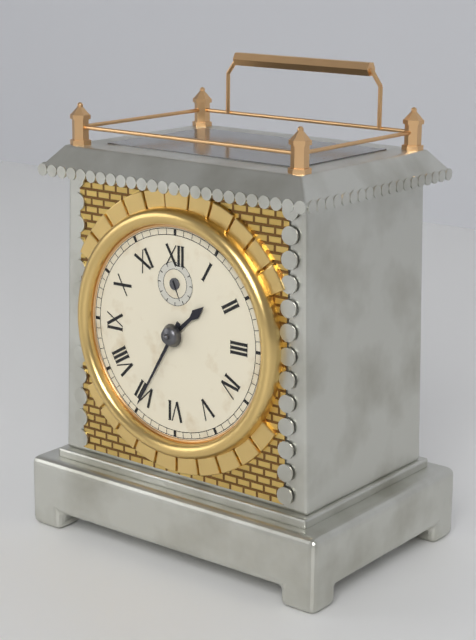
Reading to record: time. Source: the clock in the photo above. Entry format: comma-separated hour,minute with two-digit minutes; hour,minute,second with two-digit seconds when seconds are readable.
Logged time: 1,35
